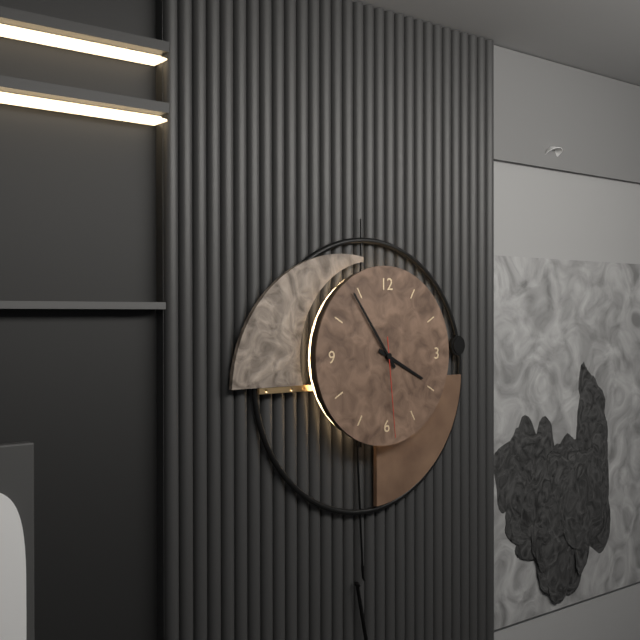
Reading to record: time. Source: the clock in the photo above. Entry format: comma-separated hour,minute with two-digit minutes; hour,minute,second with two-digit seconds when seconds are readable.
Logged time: 3,54,29
